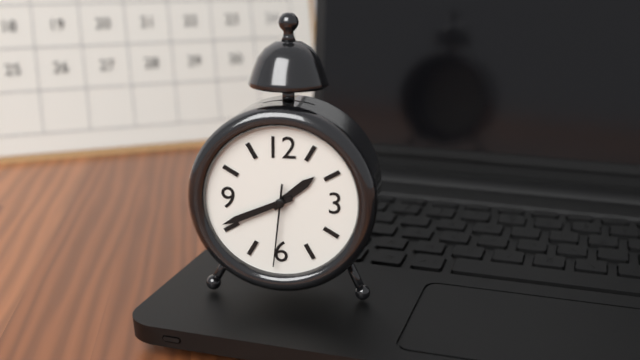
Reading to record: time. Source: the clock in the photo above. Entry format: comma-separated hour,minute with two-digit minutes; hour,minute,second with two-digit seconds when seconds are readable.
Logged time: 1,41,31
